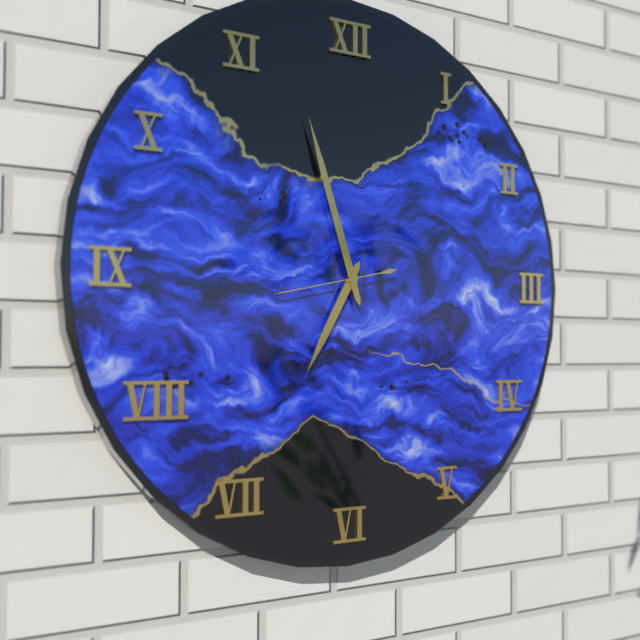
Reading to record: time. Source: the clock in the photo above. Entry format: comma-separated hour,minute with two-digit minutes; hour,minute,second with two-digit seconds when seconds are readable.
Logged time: 6,57,43
